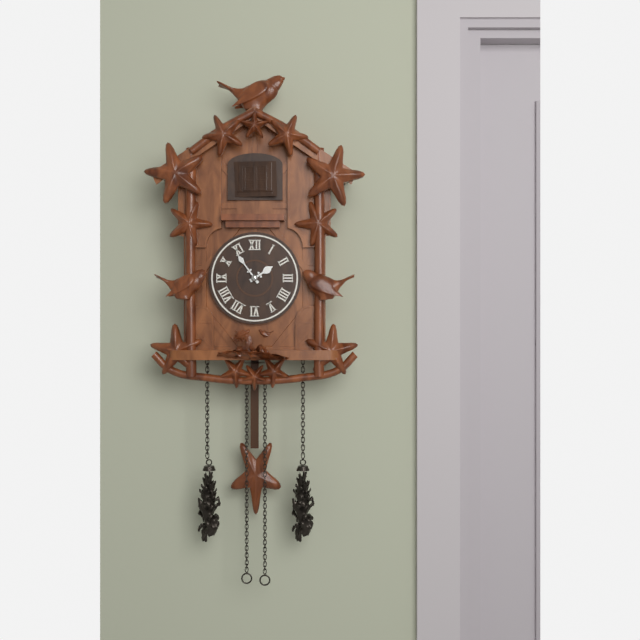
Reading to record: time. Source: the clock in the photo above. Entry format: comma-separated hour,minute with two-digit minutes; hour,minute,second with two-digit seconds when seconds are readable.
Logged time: 1,54
